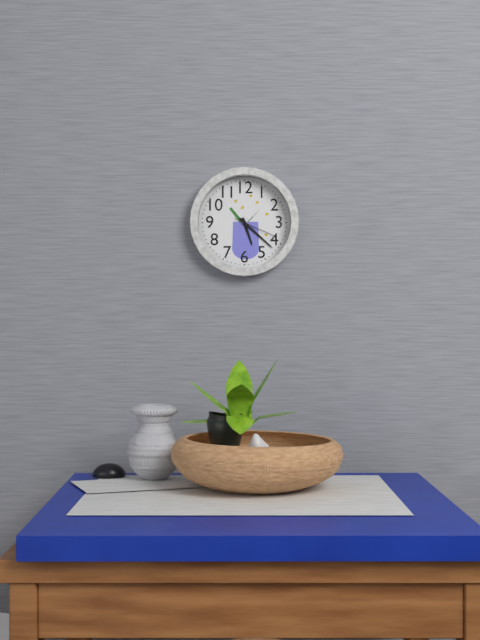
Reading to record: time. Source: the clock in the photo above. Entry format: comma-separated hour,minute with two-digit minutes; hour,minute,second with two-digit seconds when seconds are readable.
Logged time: 5,22
